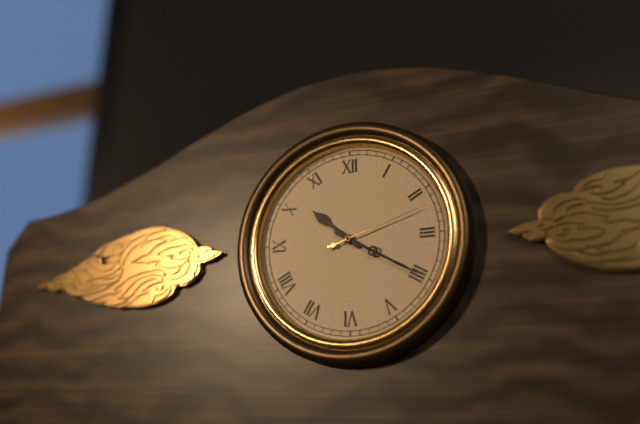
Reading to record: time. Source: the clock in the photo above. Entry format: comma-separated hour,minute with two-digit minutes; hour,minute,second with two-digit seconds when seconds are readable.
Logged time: 10,20,12
